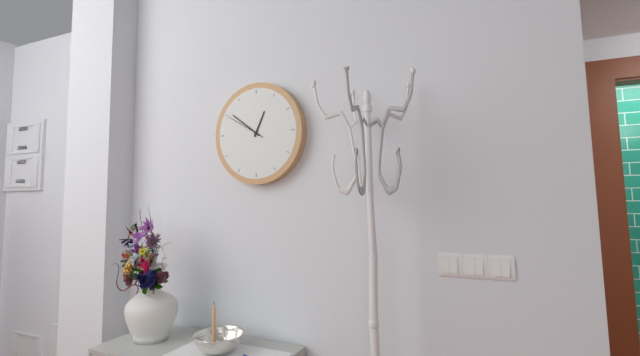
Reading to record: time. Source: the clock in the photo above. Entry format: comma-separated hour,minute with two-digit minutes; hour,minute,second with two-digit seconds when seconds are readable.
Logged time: 12,51
